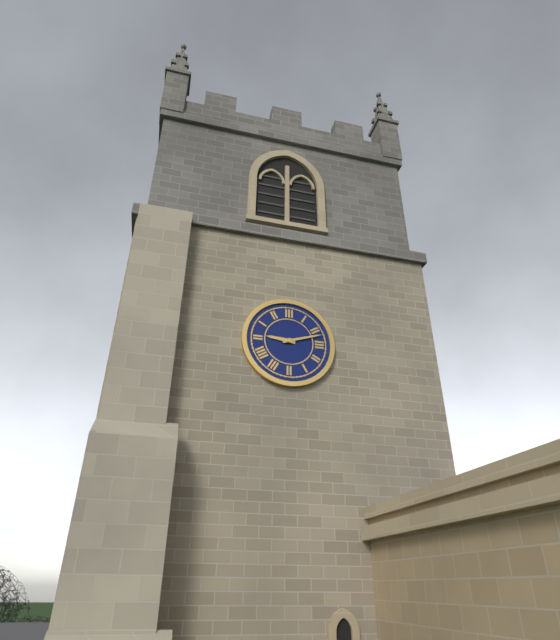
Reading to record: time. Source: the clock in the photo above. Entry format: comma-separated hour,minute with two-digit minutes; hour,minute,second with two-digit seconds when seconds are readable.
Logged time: 9,12
